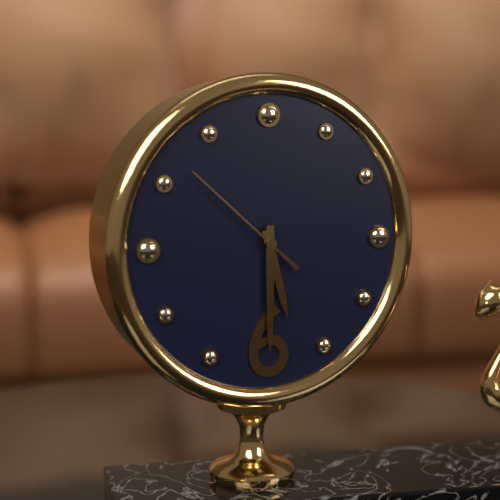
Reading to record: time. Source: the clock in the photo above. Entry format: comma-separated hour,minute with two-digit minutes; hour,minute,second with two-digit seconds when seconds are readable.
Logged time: 5,30,52
